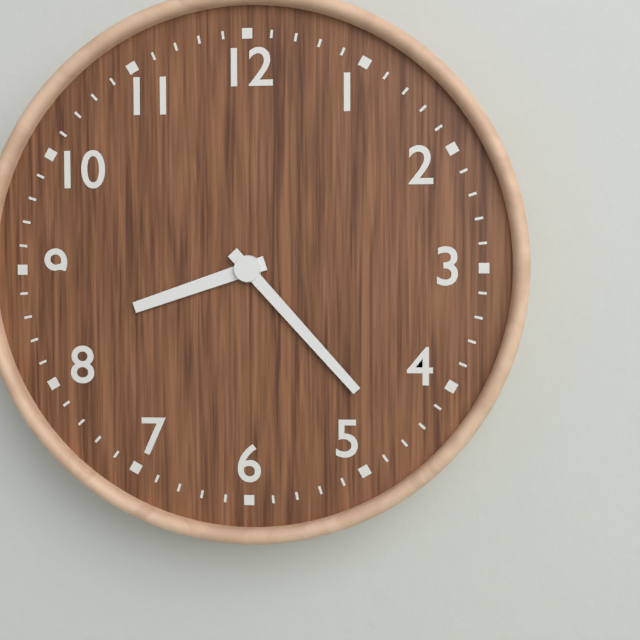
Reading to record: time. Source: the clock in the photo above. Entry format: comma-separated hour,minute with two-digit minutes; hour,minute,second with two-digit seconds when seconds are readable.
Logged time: 8,23
